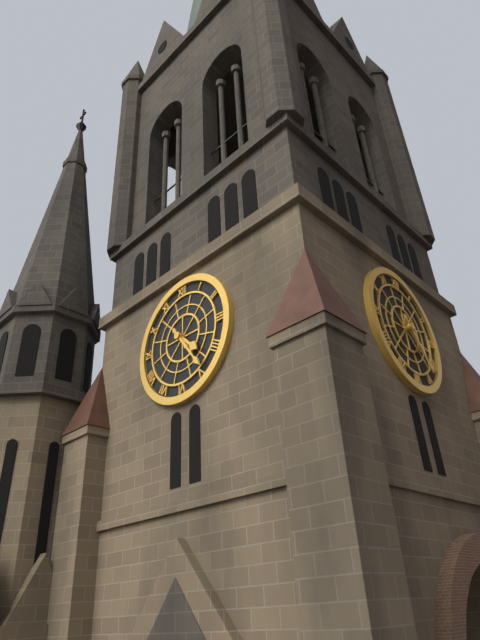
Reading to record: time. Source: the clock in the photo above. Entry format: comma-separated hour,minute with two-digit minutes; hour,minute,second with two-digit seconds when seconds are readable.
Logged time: 4,24
